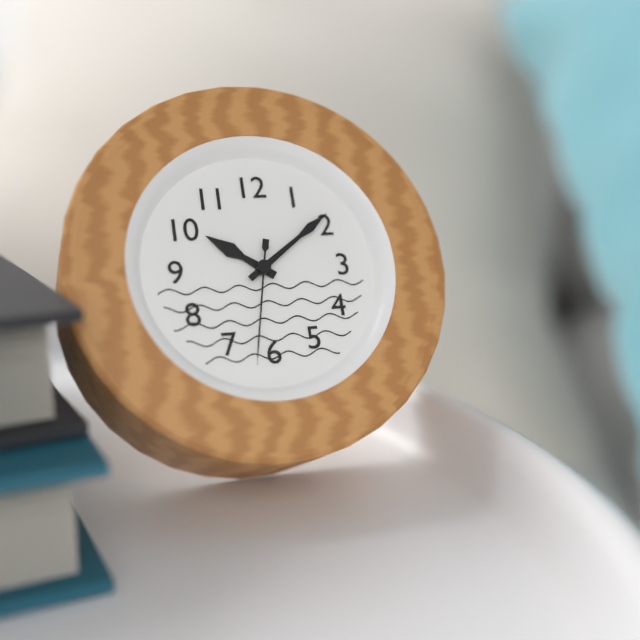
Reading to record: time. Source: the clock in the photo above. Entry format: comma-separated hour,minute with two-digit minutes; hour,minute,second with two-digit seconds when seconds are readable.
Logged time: 10,09,32
